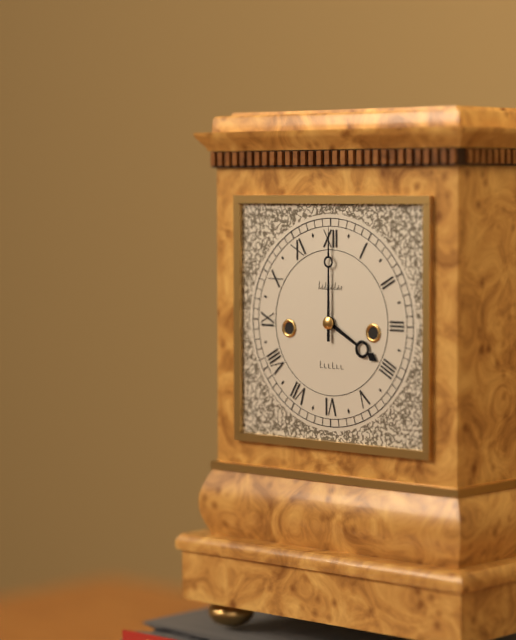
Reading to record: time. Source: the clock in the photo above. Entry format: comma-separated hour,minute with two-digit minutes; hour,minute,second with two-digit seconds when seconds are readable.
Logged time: 4,00
